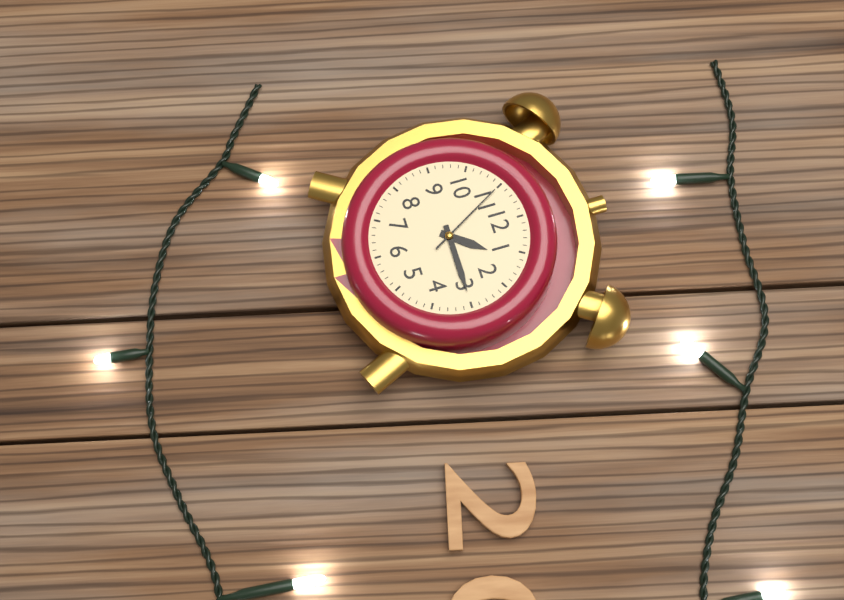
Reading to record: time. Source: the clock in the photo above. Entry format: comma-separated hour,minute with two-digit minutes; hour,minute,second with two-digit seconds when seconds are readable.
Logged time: 1,15,55
